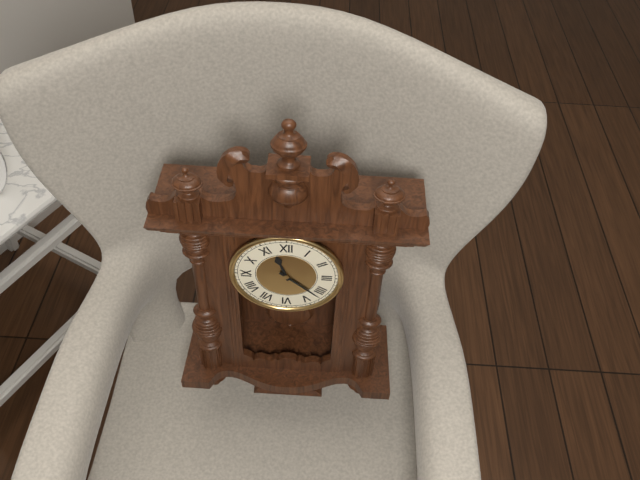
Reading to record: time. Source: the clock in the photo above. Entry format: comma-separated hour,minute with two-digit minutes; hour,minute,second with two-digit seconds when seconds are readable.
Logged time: 11,22
